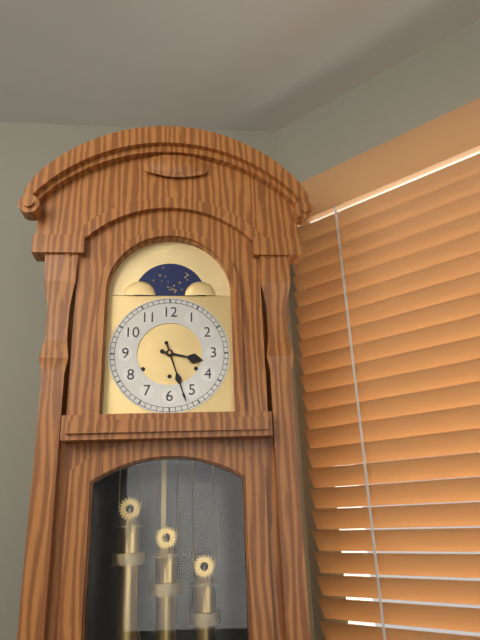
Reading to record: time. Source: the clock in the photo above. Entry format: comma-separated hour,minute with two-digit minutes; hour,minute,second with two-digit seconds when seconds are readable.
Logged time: 3,27
